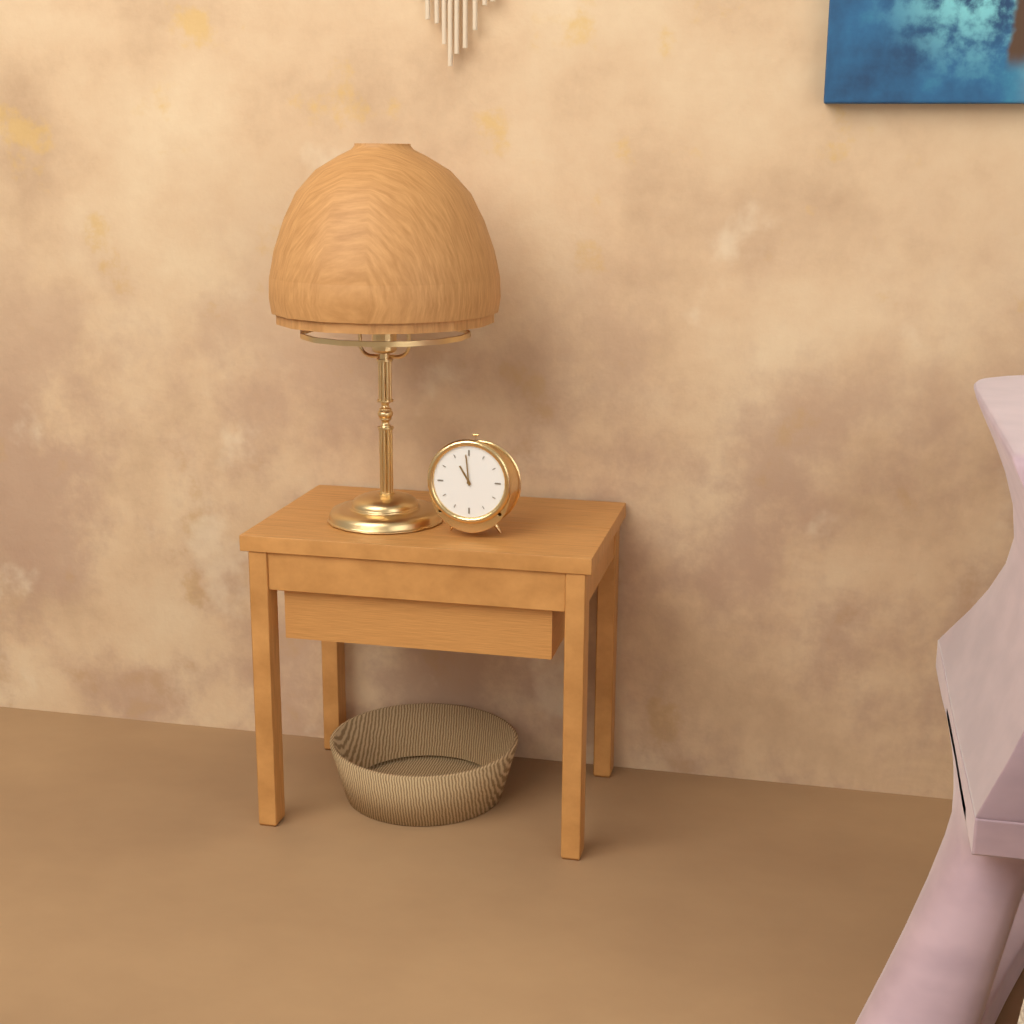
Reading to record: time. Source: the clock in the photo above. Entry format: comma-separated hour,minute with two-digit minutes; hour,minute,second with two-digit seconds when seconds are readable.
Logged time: 10,59
